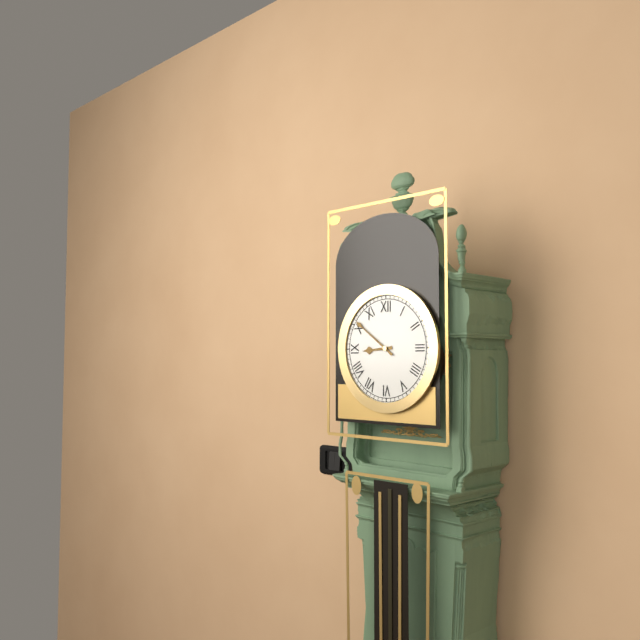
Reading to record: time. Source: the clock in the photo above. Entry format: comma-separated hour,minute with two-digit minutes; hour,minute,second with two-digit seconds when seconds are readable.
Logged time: 8,51
